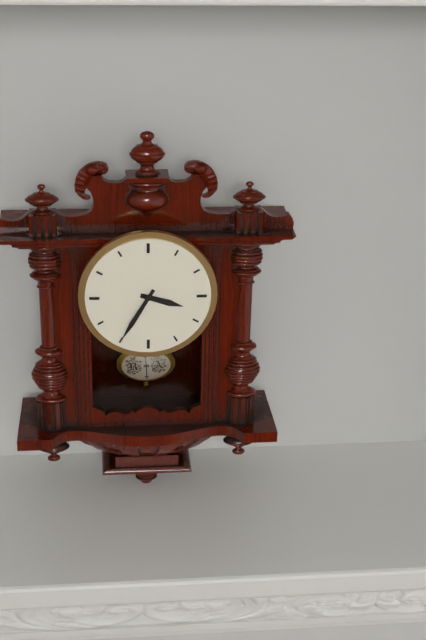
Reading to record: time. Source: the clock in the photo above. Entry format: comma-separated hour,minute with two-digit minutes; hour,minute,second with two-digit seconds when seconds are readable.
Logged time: 3,35
